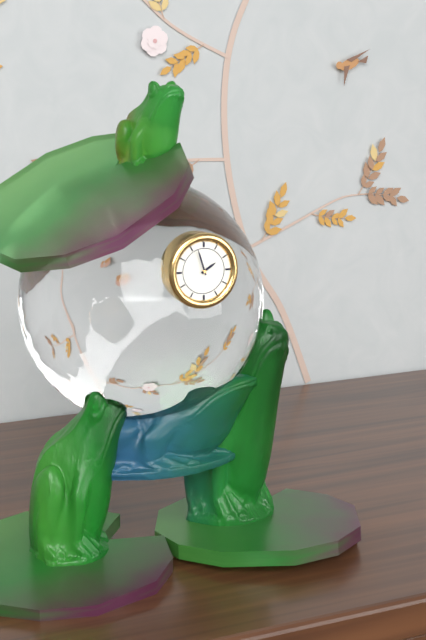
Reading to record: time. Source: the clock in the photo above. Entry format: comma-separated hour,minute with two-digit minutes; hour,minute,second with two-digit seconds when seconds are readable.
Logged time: 1,57
